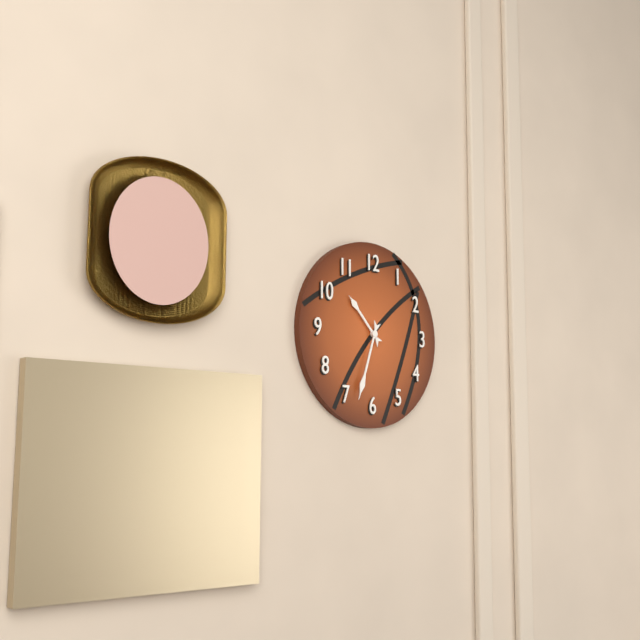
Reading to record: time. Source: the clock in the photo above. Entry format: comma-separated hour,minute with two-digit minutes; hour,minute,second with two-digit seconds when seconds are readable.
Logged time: 10,33
